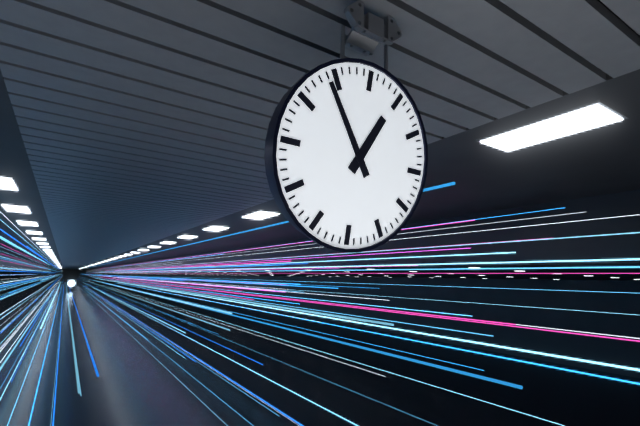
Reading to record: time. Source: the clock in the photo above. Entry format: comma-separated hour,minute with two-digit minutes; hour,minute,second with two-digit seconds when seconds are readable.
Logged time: 12,54
